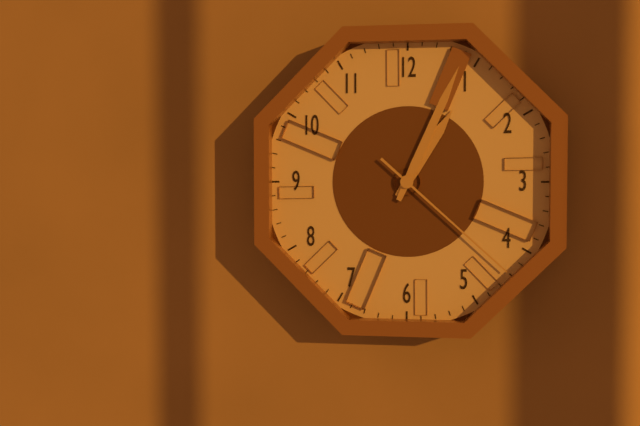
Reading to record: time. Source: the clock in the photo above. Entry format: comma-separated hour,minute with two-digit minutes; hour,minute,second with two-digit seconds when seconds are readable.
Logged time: 1,04,22
